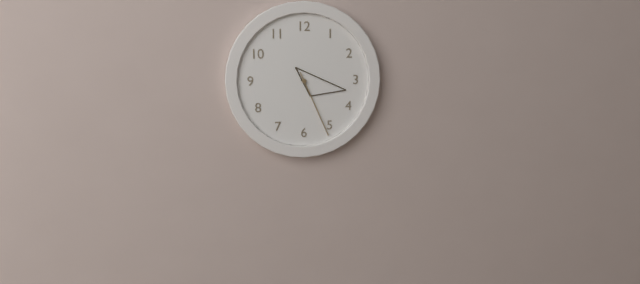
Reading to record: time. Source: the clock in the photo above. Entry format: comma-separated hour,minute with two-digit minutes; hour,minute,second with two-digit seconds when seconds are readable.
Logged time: 3,26
